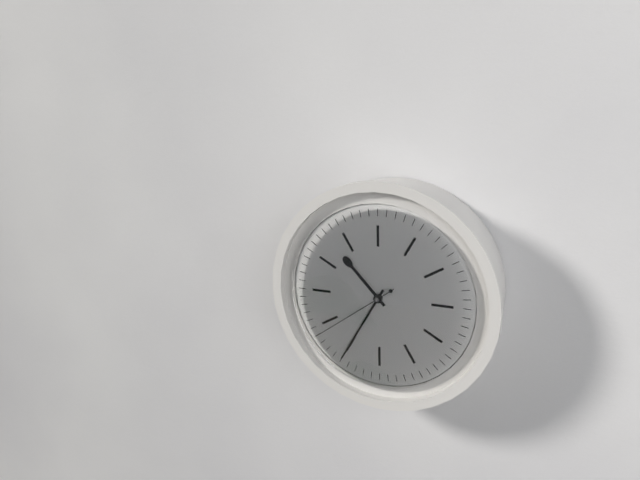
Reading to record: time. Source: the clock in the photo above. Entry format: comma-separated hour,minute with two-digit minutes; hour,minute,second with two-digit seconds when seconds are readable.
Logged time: 10,35,39
